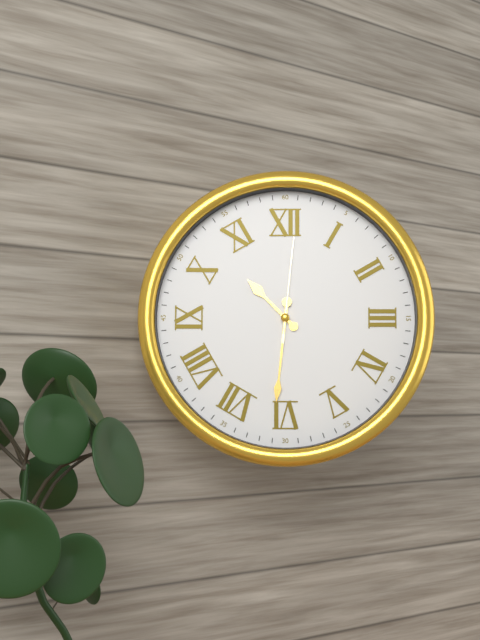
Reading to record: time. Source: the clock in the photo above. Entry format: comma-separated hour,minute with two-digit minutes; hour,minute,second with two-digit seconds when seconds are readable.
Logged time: 10,31,01
